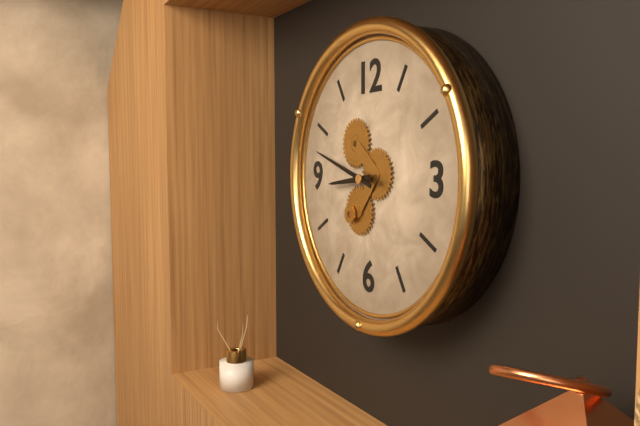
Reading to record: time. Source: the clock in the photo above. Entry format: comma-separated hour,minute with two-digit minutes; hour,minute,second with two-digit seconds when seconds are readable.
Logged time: 8,48
